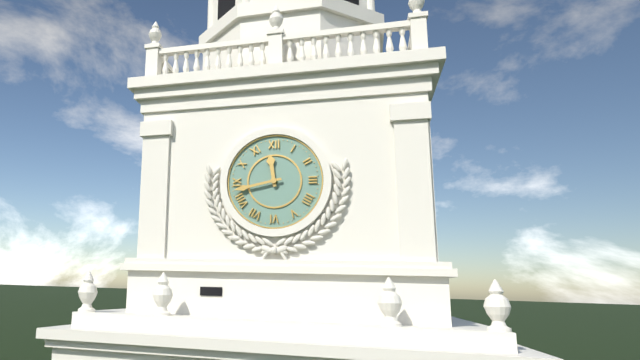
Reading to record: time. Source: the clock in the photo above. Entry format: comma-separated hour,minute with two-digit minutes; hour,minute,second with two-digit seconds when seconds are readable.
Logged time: 11,43
